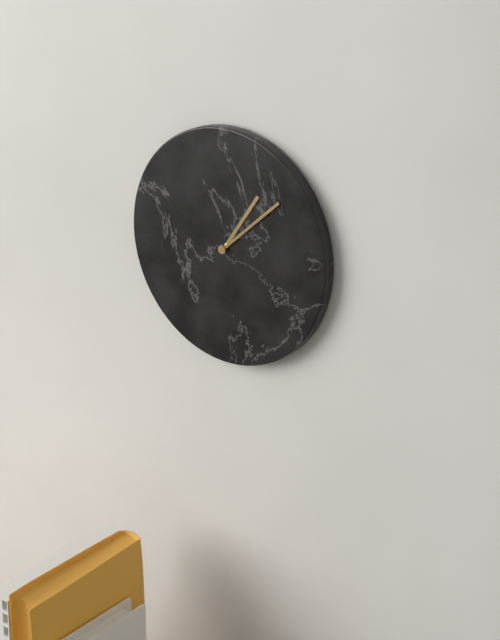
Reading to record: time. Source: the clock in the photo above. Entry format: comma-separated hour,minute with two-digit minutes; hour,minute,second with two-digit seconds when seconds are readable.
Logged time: 1,08
